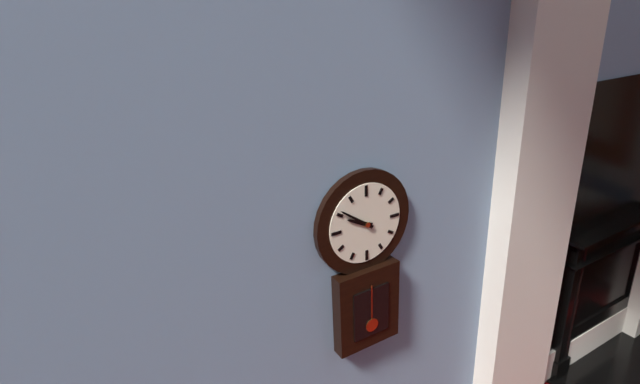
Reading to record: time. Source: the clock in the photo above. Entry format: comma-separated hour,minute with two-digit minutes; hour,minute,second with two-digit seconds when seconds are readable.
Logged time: 9,51
